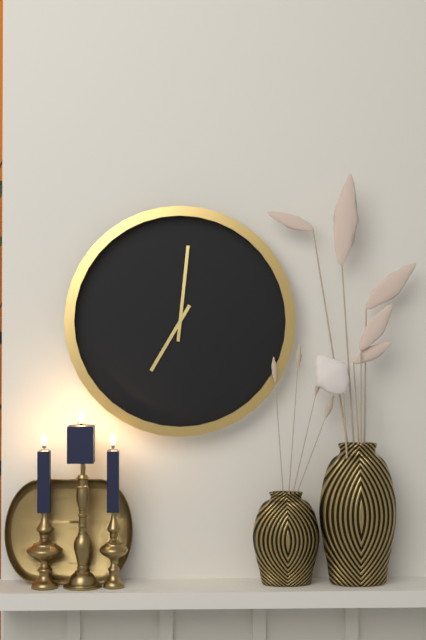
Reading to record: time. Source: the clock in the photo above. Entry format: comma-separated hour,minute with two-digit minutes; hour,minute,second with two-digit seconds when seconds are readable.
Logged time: 7,01
